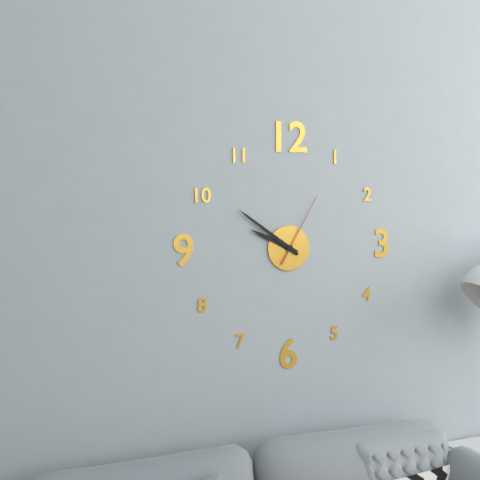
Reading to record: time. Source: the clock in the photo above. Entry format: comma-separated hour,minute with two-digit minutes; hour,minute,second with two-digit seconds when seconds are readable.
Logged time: 9,51,05
